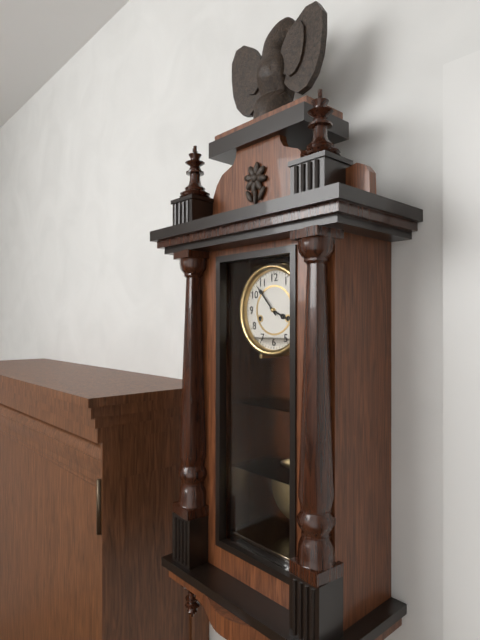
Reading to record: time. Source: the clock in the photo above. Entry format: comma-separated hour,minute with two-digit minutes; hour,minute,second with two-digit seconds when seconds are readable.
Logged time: 3,53
